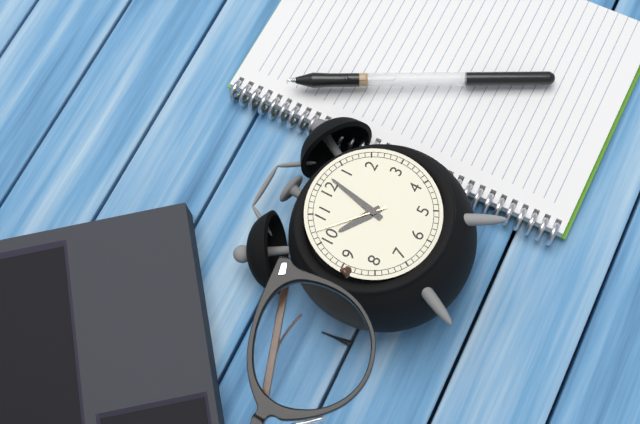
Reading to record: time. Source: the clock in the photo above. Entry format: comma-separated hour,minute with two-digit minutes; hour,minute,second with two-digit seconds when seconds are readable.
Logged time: 10,02,52
